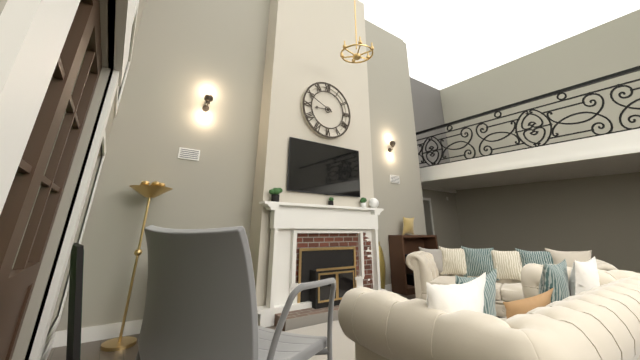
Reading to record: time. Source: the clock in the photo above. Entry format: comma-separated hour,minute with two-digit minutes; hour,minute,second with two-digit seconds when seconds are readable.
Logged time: 8,49
